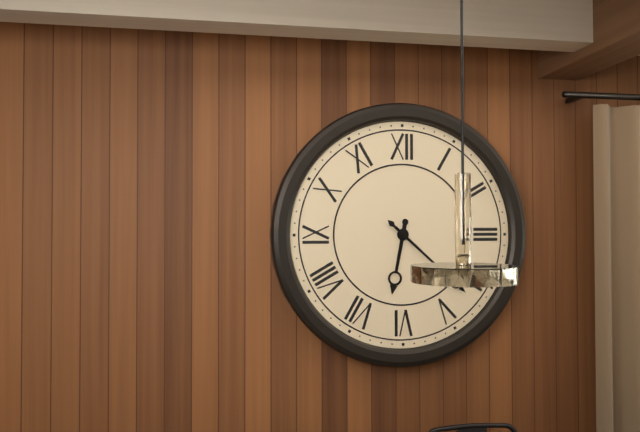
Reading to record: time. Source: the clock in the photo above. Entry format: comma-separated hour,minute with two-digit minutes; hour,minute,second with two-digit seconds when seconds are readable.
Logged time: 6,22
